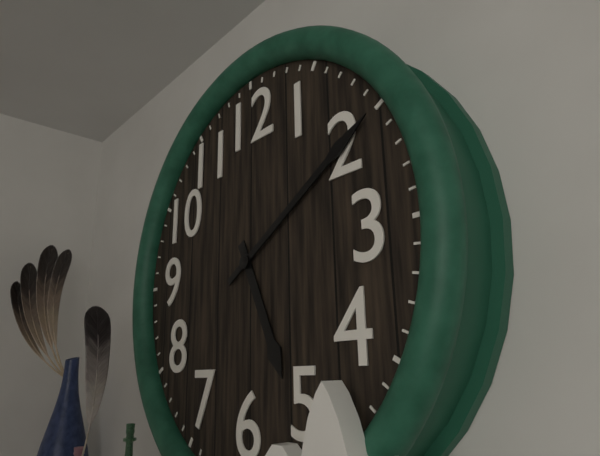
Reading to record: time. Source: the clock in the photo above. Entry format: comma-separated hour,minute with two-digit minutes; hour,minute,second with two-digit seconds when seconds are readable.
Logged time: 5,10
